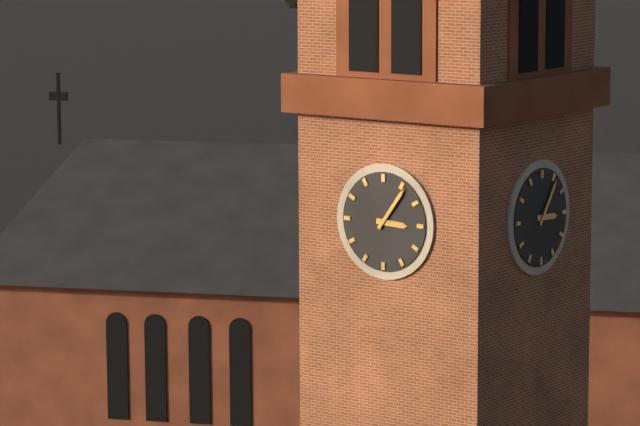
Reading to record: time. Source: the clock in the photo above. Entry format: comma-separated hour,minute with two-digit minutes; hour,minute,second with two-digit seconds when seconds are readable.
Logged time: 3,06
